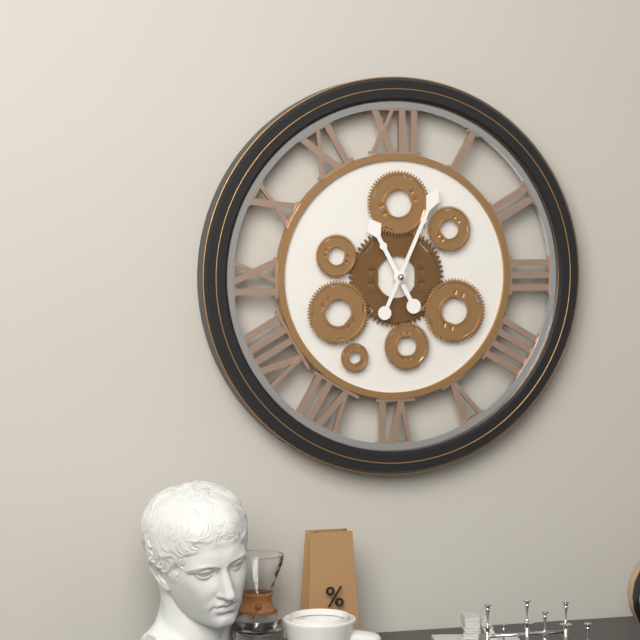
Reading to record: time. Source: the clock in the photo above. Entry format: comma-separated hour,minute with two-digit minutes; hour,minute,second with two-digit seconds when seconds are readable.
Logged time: 11,04
